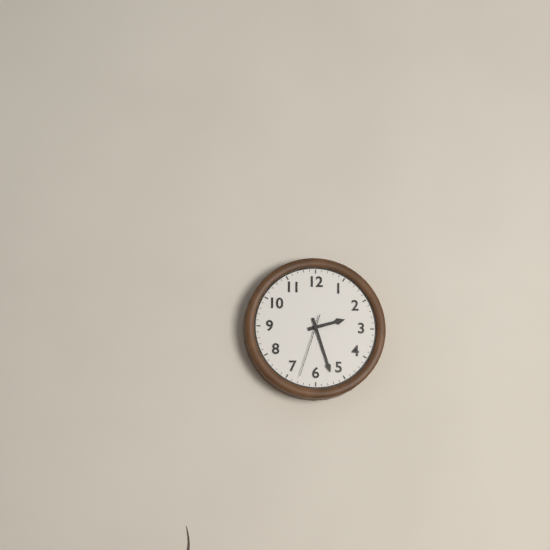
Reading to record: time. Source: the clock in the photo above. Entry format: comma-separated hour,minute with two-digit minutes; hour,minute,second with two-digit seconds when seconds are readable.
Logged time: 2,27,33
